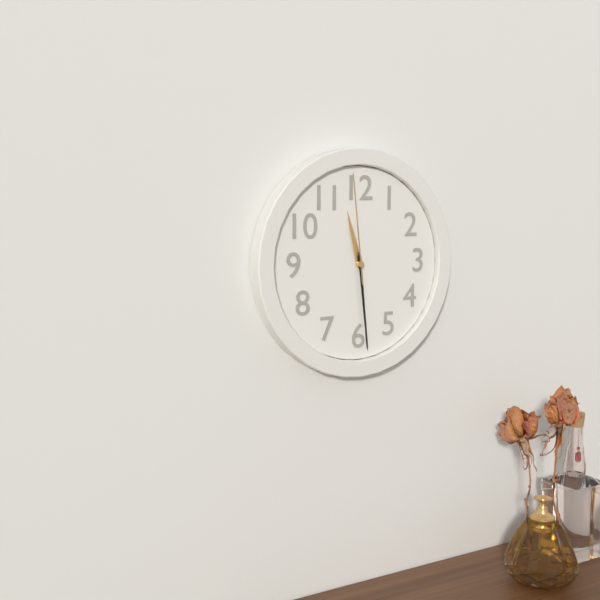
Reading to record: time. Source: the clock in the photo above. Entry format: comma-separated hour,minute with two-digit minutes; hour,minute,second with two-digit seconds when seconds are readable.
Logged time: 11,29,59
